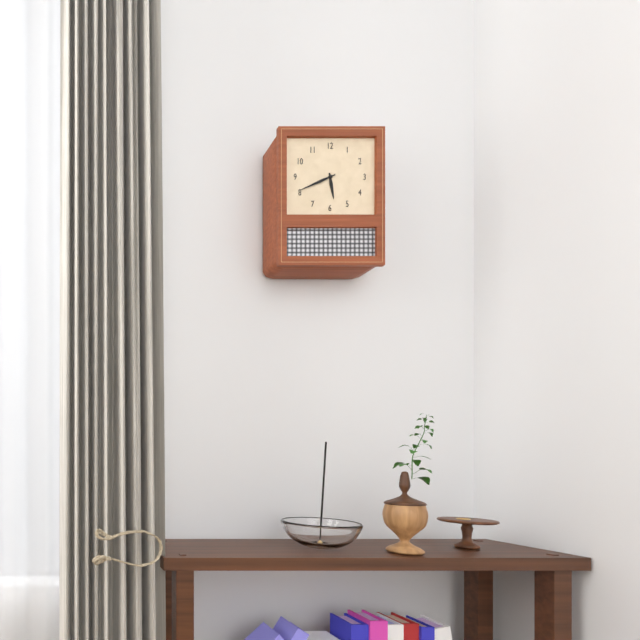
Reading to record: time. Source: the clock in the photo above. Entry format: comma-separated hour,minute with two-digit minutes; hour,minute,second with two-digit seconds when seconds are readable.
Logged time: 5,41
